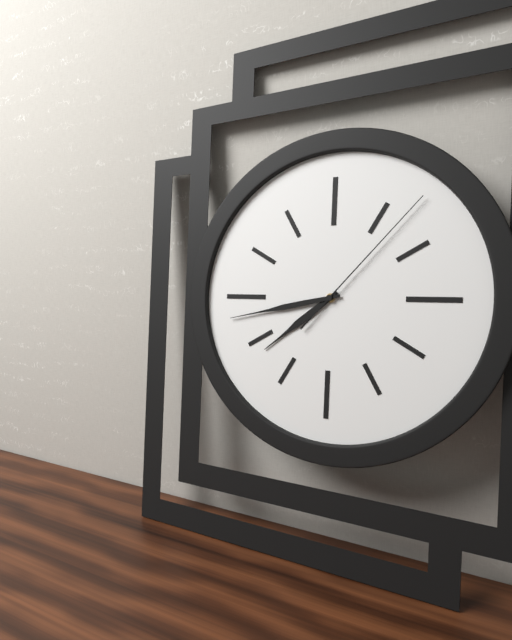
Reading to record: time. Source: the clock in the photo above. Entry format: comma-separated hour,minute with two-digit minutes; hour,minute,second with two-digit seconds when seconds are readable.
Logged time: 7,43,07
